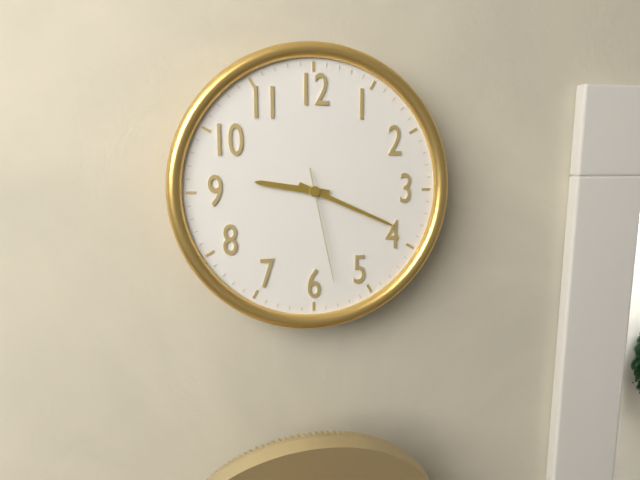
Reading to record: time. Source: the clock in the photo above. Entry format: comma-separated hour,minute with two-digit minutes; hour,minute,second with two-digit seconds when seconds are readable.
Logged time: 9,19,28
